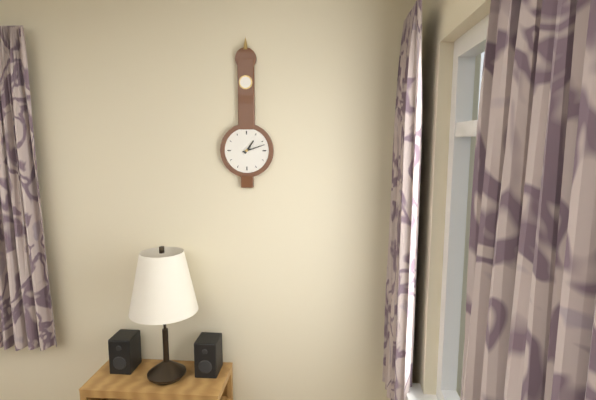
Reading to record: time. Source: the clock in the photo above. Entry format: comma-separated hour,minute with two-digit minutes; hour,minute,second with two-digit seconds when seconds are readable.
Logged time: 1,12
